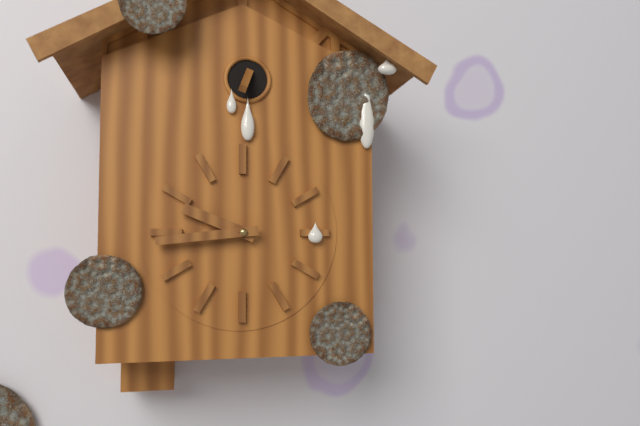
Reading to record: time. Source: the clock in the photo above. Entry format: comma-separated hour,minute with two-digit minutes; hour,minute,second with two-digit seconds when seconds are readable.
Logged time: 9,44
